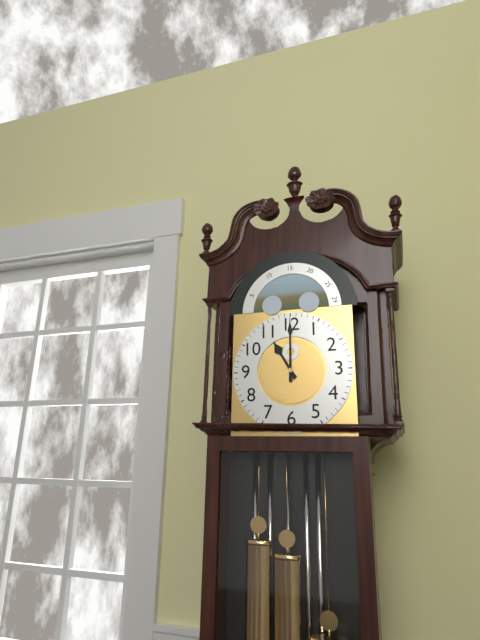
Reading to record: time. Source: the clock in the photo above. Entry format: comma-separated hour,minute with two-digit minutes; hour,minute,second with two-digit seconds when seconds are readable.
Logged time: 11,00
